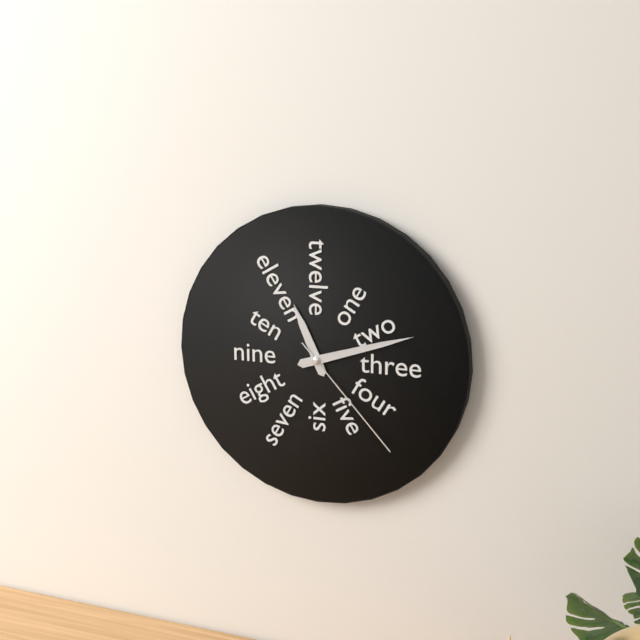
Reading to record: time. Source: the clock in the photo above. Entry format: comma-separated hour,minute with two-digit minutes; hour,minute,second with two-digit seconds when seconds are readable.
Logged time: 11,12,23
